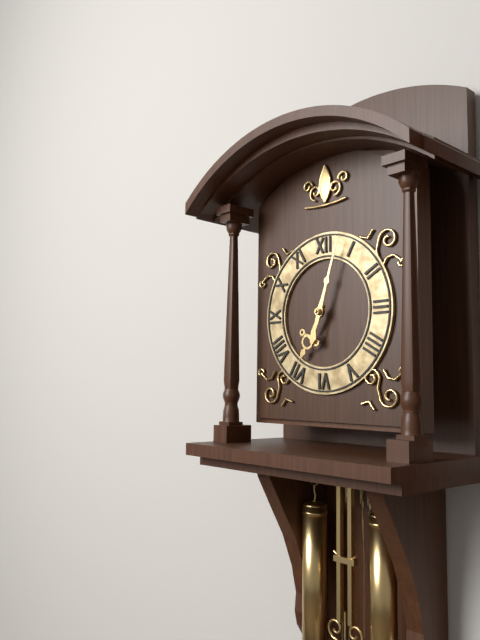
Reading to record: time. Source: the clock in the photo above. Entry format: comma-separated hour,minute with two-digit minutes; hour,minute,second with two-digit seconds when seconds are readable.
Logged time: 7,03
